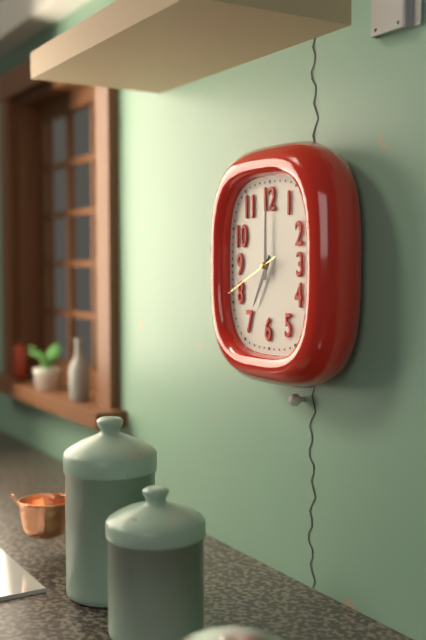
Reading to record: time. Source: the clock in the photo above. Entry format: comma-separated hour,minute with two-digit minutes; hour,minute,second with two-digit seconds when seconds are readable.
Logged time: 7,00,41
